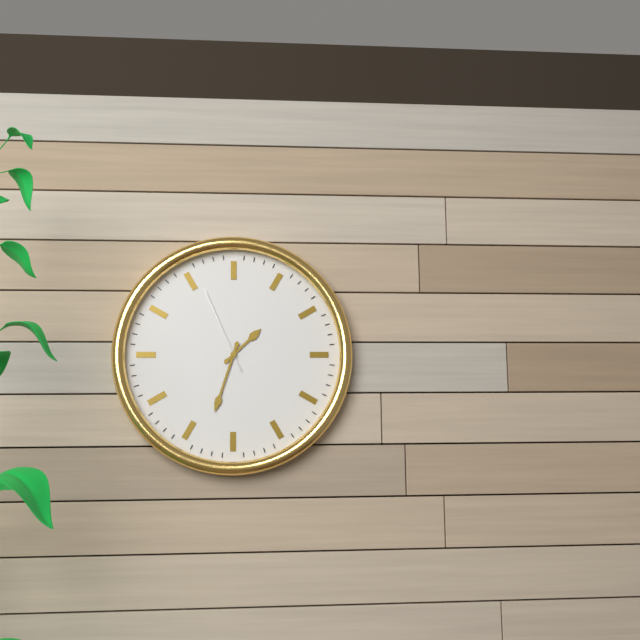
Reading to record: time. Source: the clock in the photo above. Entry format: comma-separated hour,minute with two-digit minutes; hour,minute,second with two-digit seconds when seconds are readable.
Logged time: 1,33,56
